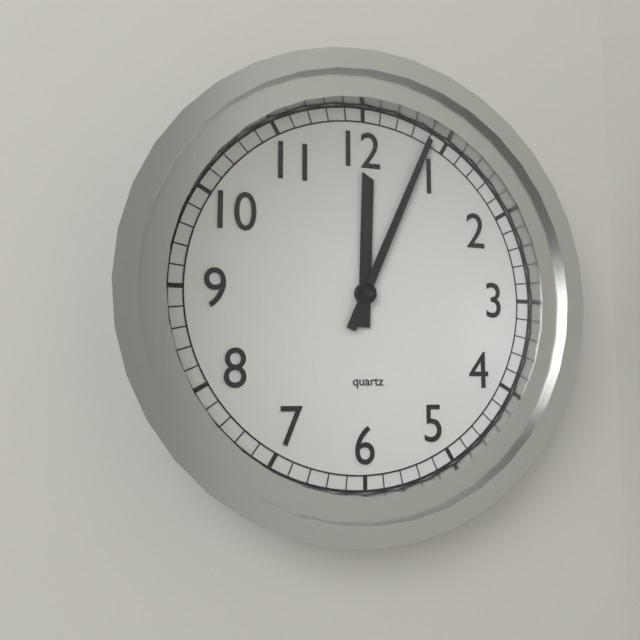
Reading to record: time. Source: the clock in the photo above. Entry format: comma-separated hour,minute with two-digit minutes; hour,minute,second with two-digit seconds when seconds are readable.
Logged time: 12,04
